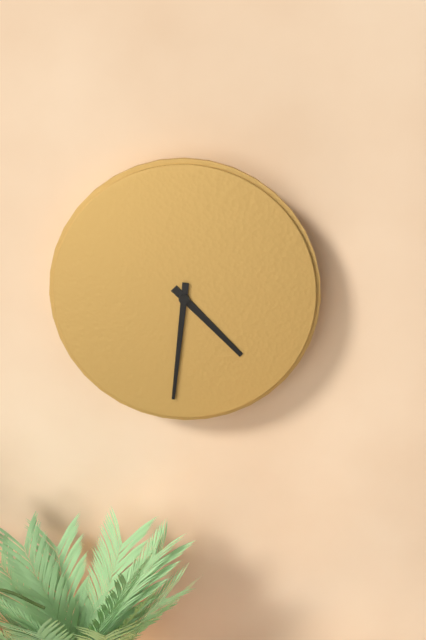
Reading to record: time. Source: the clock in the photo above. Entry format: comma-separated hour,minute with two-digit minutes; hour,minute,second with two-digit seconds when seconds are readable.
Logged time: 4,31
